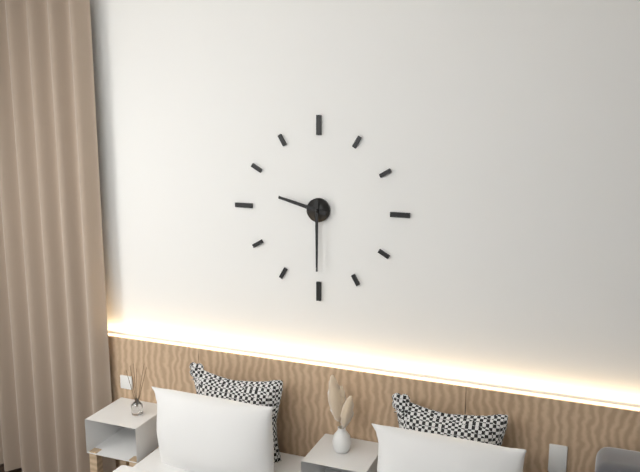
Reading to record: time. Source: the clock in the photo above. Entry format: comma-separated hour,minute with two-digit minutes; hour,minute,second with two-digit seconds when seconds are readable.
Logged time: 9,30
